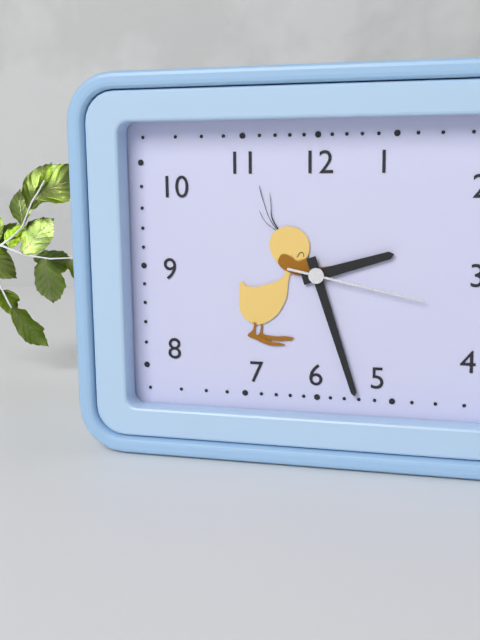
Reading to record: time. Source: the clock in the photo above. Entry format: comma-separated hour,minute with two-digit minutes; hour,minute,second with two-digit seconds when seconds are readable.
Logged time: 2,27,17
